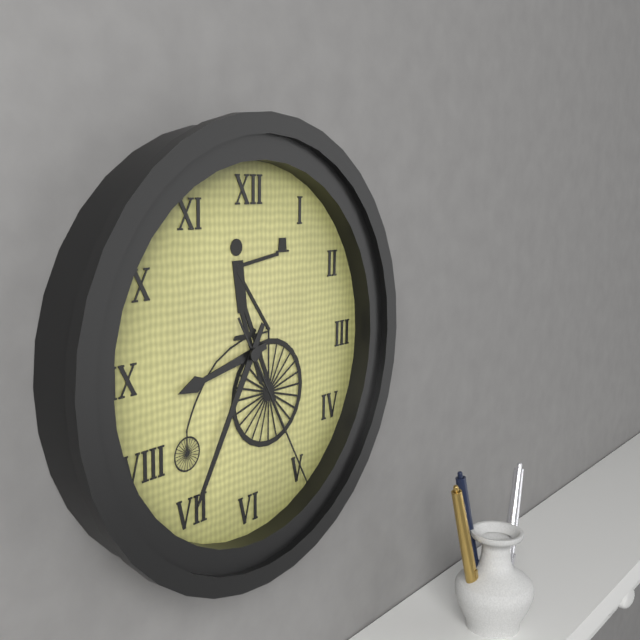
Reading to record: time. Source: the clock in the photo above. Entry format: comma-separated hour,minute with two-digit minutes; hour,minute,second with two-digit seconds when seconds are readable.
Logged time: 8,35,25
